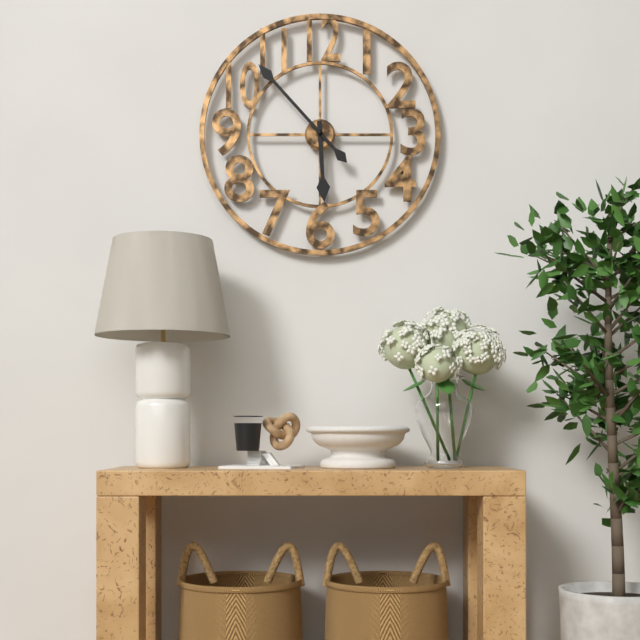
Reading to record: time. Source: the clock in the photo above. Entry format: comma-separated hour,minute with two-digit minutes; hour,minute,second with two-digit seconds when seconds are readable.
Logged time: 5,53
